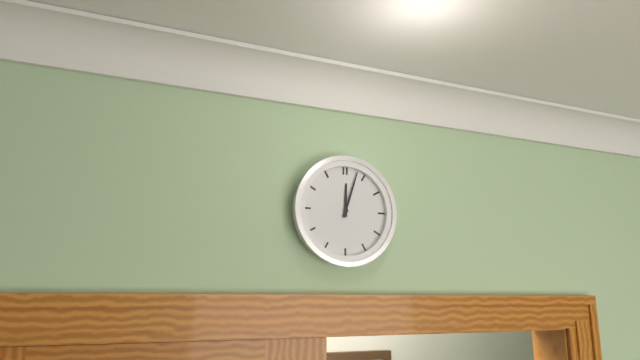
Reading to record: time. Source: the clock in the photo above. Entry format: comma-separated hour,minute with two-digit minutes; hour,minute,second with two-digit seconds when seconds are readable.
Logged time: 12,03
